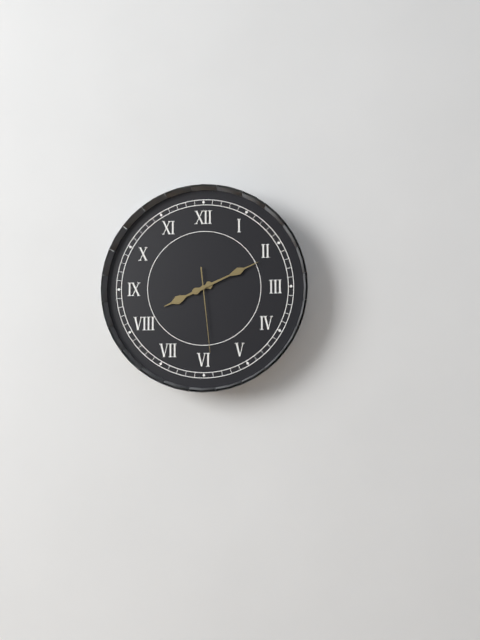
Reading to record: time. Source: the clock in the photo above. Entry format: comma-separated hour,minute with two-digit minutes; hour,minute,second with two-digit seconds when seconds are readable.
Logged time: 8,11,29
